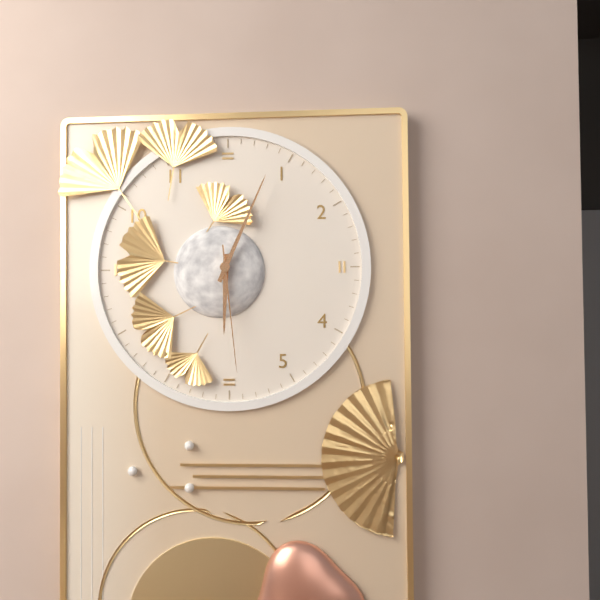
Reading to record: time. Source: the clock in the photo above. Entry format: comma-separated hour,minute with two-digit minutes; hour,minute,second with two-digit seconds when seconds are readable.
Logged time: 6,04,29
